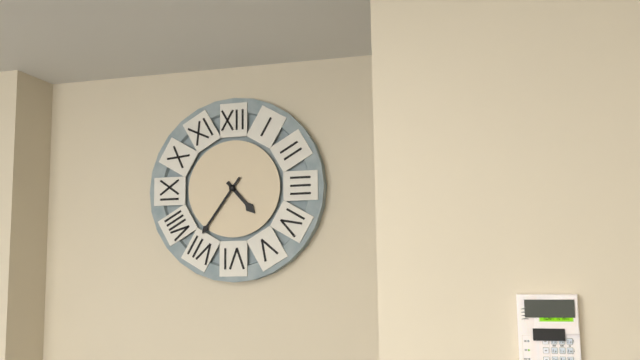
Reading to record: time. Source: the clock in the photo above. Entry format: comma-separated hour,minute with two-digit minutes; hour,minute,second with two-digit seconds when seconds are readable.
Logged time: 4,36
